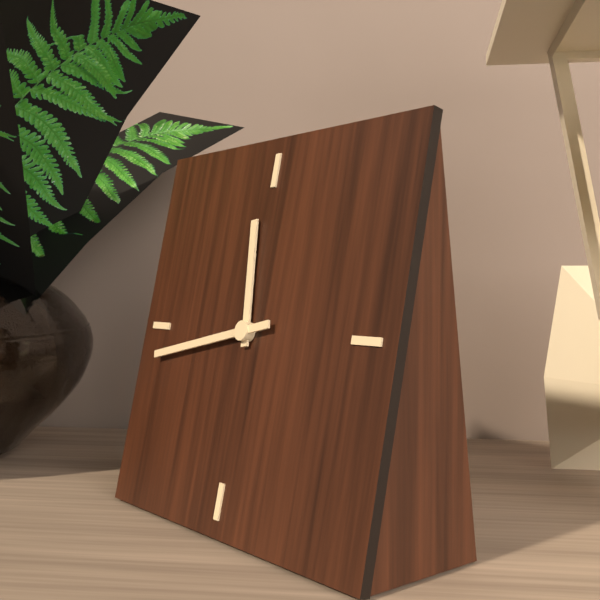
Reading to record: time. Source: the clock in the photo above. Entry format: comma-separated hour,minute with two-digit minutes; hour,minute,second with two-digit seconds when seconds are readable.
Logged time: 11,43
